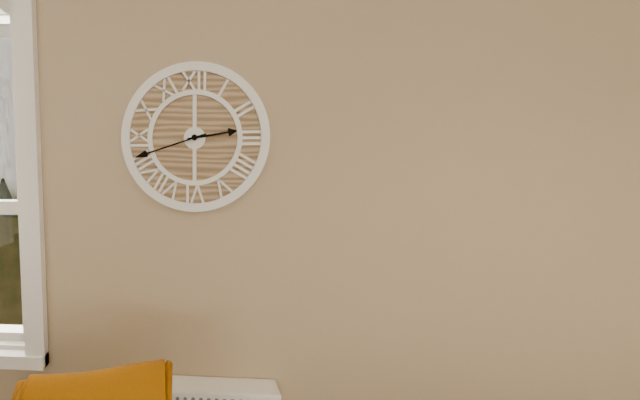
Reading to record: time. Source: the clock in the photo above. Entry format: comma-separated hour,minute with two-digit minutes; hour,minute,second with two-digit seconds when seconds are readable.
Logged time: 2,42
